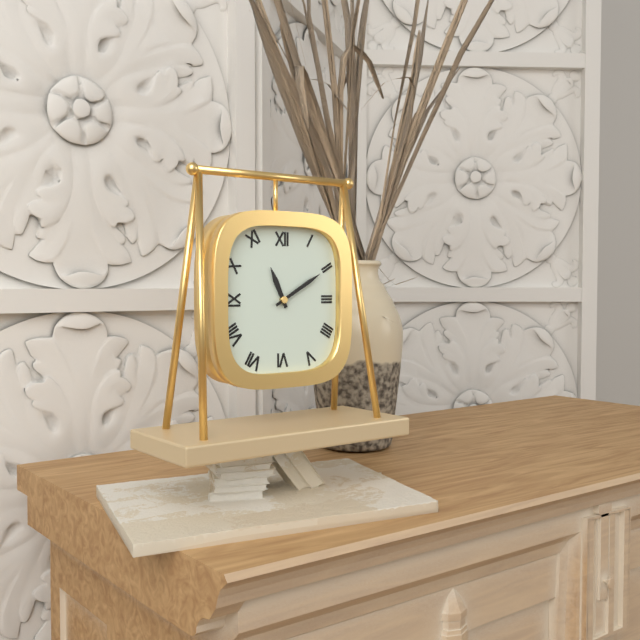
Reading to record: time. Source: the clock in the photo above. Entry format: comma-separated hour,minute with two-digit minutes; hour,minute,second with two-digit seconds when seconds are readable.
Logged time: 11,10
